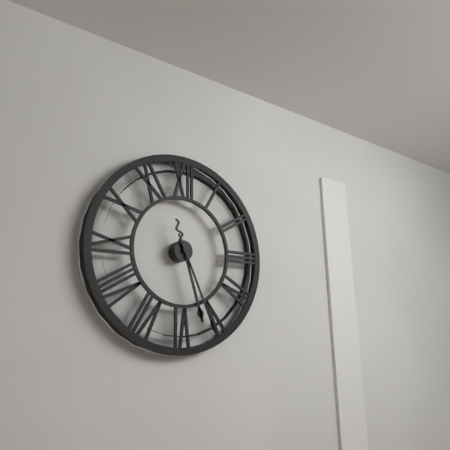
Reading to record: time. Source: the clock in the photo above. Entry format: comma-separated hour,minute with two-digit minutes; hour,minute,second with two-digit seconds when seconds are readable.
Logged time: 5,26
